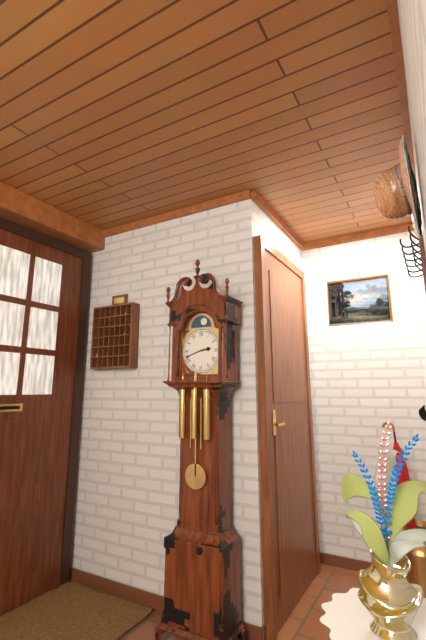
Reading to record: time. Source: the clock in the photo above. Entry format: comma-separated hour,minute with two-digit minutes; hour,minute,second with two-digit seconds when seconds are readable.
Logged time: 2,42
